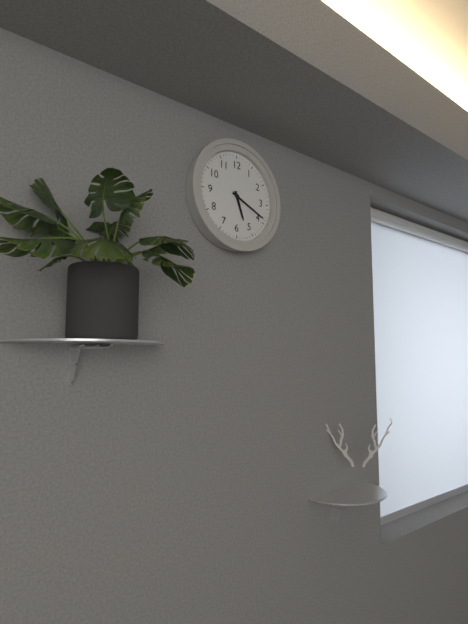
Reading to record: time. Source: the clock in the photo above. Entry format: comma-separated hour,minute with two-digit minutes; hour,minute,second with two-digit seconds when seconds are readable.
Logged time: 5,19
